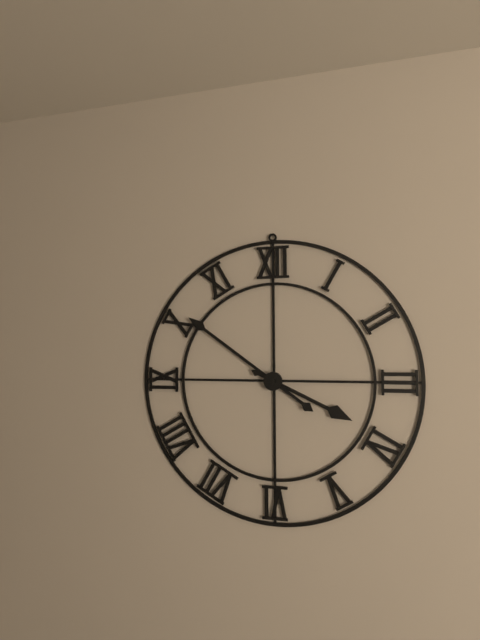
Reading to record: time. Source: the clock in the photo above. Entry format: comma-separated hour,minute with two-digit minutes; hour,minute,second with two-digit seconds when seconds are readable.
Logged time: 3,51
